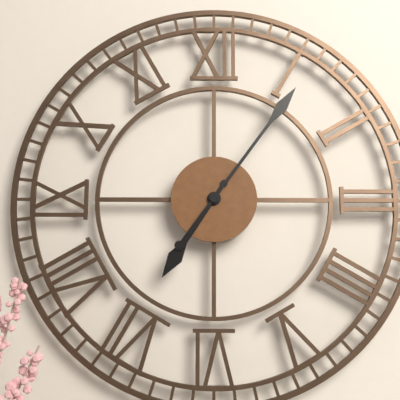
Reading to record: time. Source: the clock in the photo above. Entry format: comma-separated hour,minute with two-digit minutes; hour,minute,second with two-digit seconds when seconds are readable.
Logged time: 7,06
